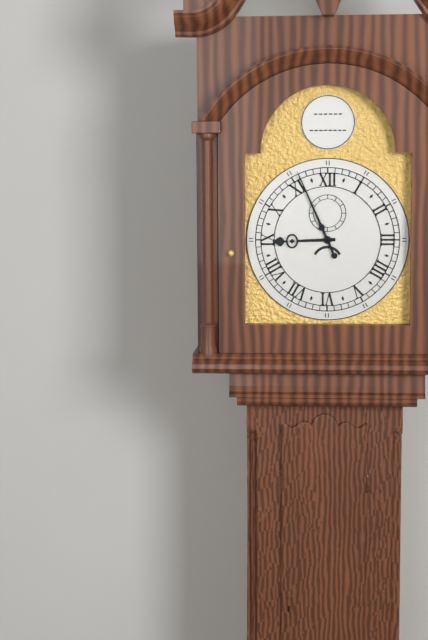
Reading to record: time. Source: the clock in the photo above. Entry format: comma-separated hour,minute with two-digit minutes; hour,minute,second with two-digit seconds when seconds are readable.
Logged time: 8,56
